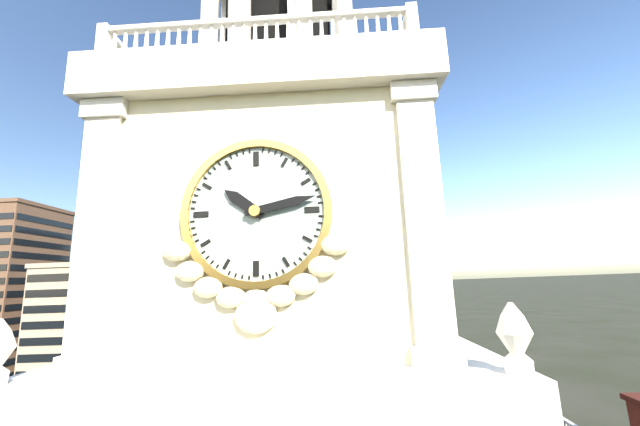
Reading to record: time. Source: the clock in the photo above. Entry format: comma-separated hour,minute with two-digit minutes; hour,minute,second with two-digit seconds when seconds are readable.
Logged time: 10,13
